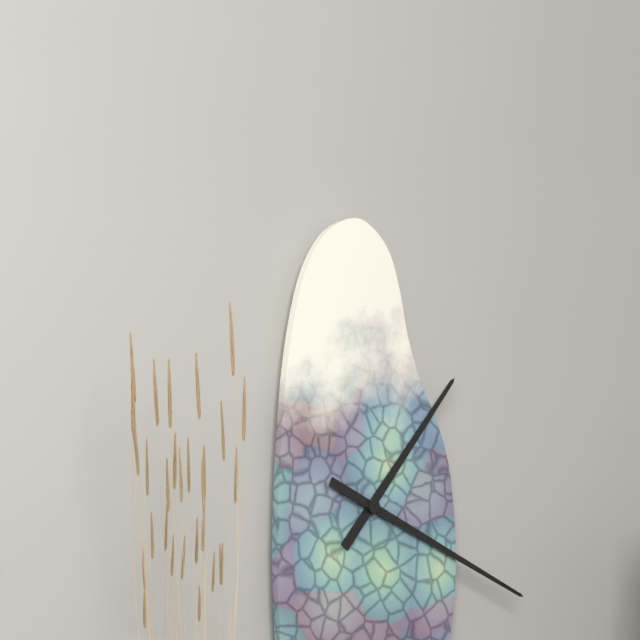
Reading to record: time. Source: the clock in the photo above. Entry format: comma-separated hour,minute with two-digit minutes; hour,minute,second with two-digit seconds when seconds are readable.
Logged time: 1,19
